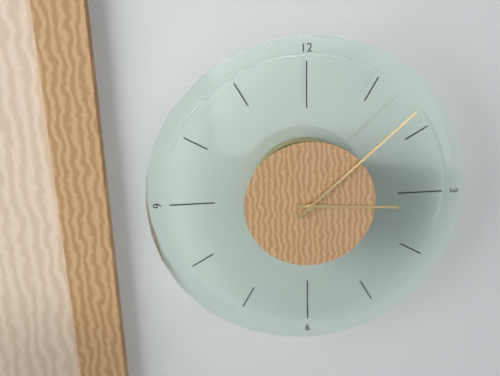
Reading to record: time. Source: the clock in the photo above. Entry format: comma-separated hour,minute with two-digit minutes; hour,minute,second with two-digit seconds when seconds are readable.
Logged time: 3,08
